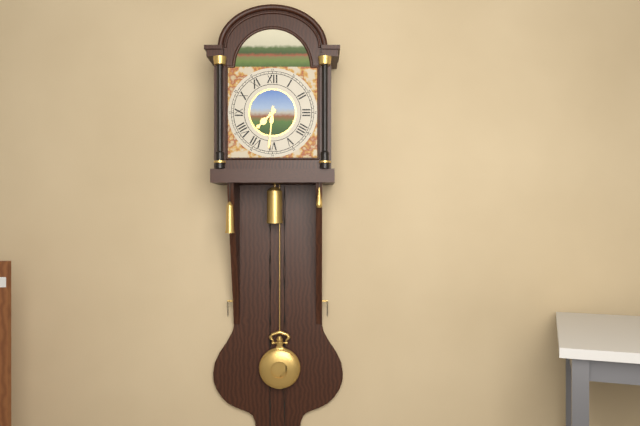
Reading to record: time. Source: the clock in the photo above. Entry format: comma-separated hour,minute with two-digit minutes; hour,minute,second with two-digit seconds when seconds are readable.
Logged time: 7,31
